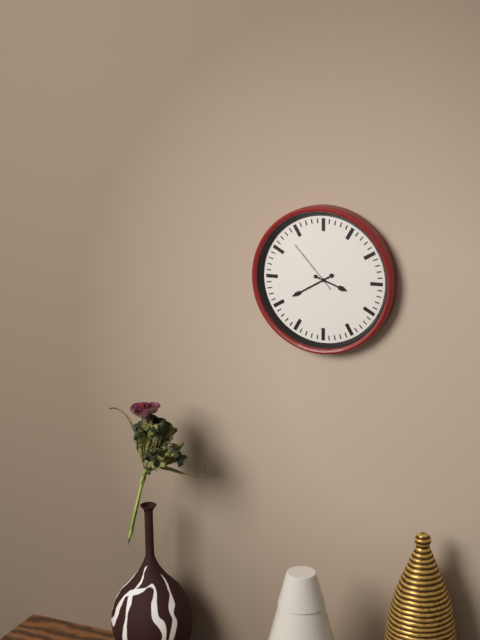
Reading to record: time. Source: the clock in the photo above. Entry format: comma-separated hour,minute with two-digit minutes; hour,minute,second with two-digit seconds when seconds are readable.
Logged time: 3,40,53
